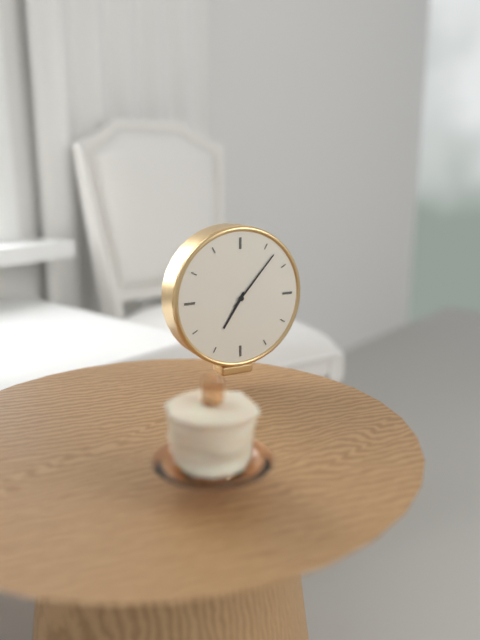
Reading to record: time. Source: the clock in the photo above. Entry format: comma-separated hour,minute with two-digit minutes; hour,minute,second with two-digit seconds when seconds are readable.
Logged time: 7,07
